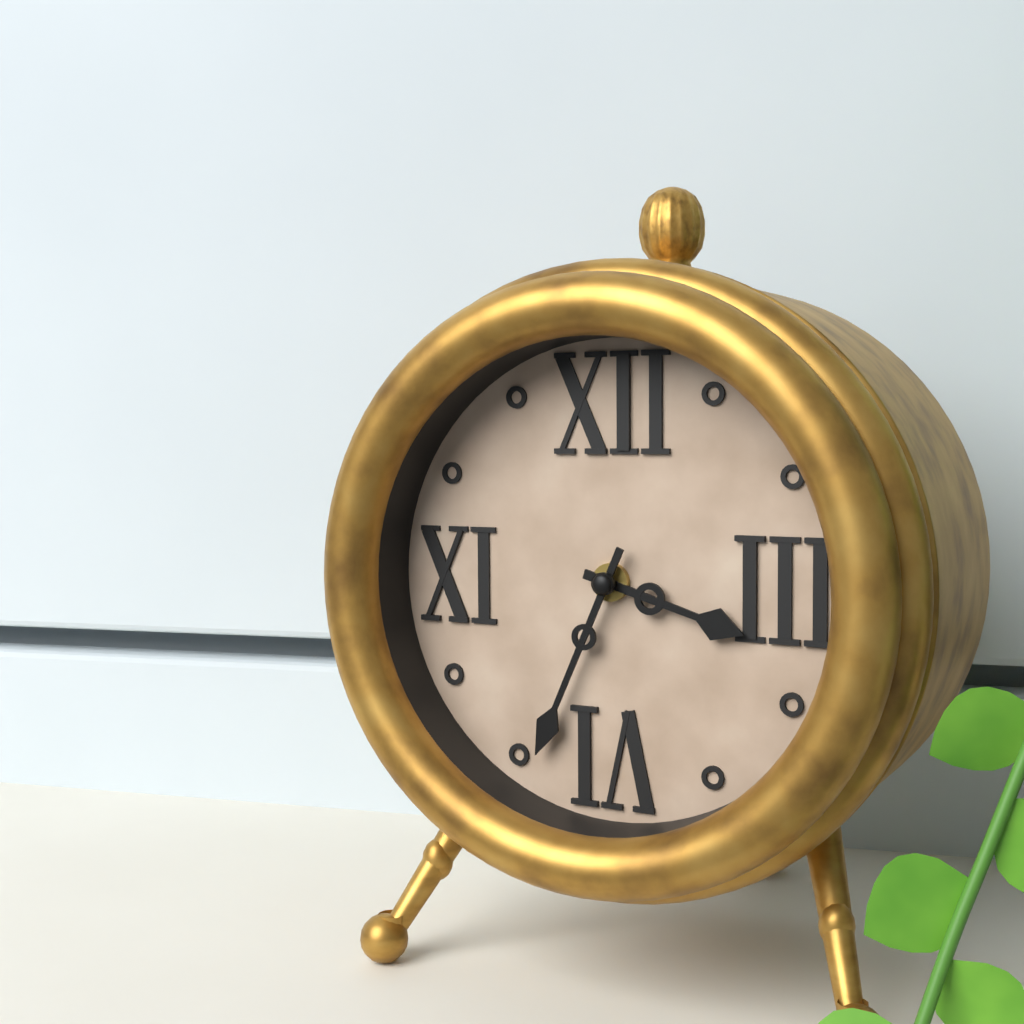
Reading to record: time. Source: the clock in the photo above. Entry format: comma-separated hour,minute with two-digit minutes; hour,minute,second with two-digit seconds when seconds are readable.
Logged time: 3,34
